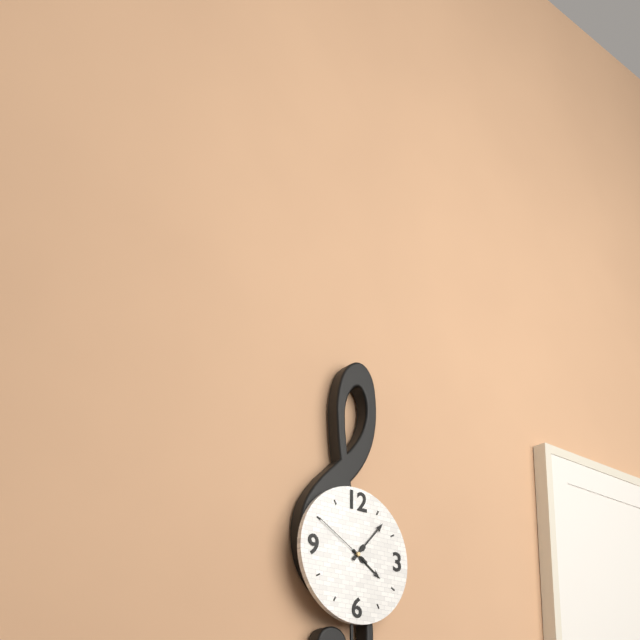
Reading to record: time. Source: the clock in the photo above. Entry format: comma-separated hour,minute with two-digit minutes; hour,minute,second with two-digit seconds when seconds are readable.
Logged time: 4,07,50
